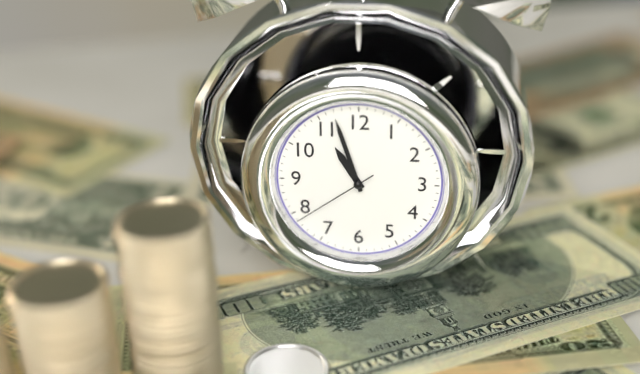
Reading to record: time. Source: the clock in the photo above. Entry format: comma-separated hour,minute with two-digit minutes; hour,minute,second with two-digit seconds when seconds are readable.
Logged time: 10,57,39
